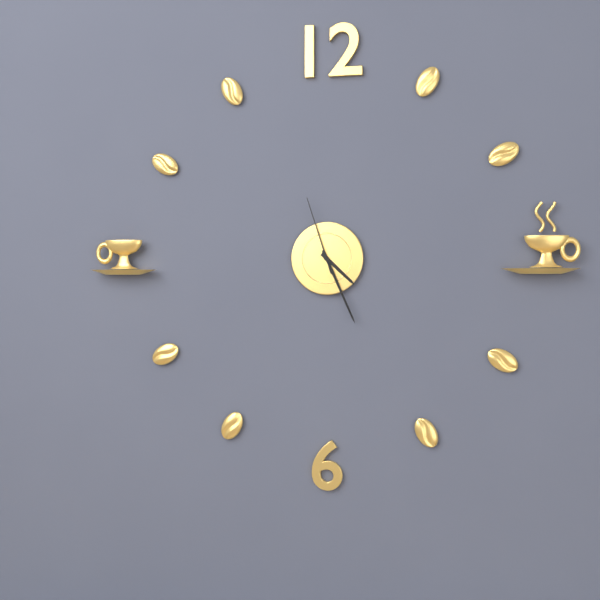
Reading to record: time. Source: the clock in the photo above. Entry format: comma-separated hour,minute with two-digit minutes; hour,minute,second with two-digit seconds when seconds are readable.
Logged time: 4,26,57
